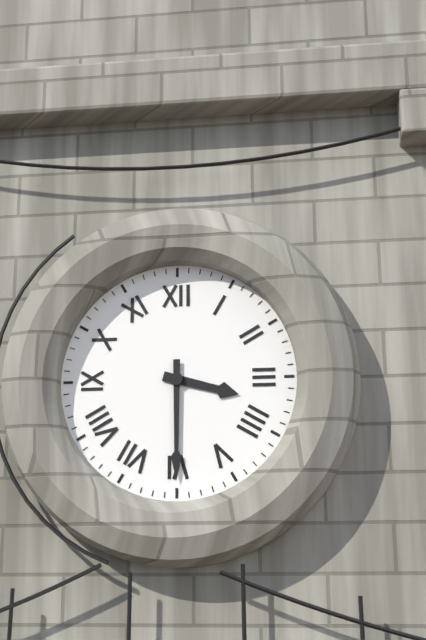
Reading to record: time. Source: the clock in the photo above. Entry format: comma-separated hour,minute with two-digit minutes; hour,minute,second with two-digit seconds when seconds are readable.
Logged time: 3,30
